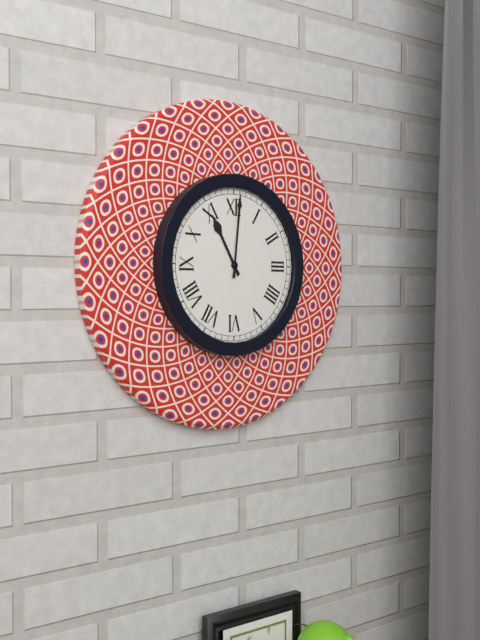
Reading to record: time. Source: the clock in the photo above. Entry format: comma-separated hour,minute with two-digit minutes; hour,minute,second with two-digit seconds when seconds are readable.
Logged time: 11,01
